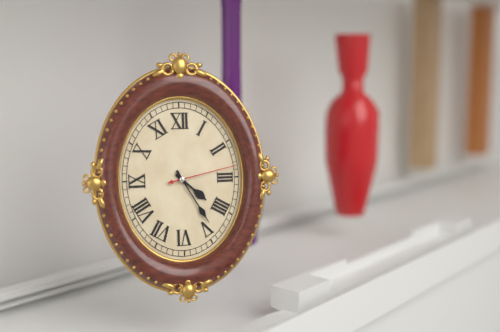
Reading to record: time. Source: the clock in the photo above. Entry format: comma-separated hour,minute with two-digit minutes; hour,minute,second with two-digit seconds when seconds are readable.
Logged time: 4,25,13
